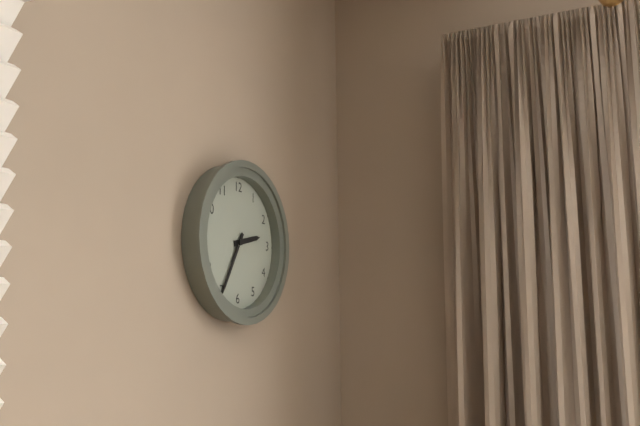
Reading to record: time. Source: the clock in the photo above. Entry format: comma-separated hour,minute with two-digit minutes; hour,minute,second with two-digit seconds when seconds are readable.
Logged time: 2,35
